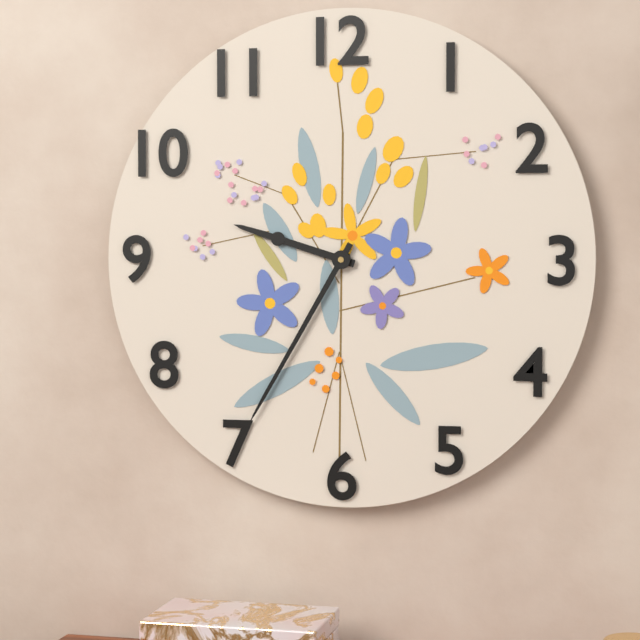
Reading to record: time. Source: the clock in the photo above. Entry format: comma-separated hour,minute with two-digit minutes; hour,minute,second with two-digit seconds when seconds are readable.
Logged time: 9,35
